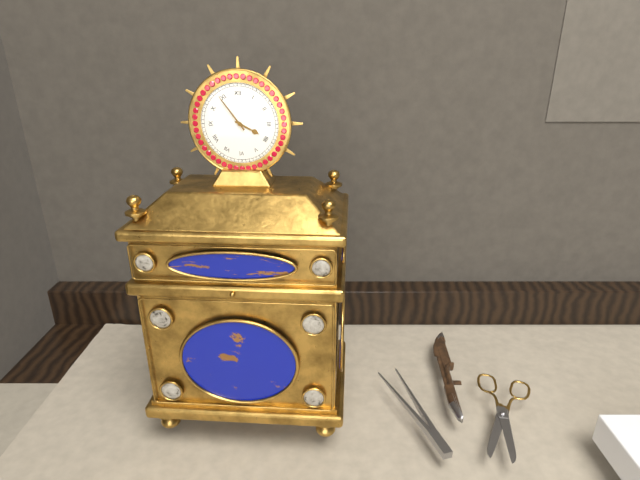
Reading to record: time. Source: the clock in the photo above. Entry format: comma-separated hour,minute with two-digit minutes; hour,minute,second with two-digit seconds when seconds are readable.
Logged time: 3,54
